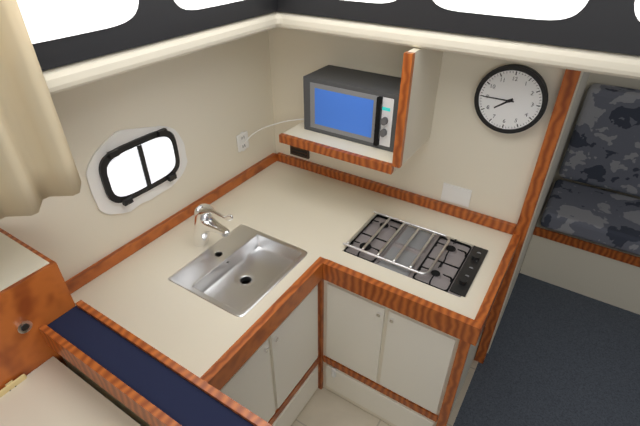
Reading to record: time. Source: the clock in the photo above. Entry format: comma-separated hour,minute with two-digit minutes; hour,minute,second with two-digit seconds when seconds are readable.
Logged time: 7,45
